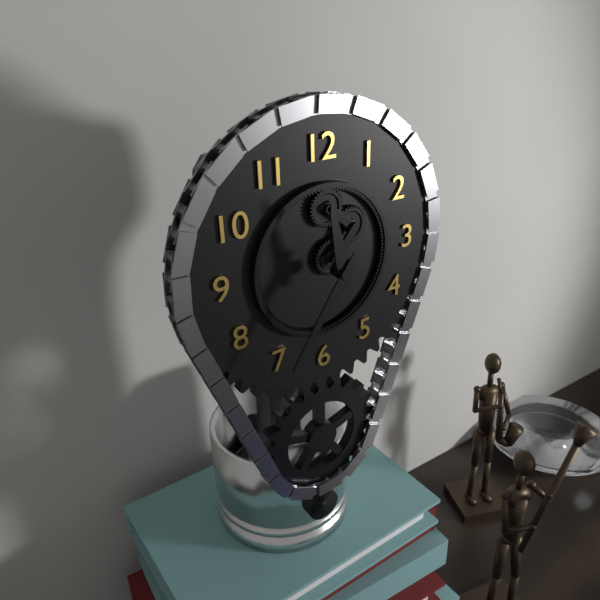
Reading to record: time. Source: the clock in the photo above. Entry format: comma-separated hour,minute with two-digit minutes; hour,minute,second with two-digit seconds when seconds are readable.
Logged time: 11,36
